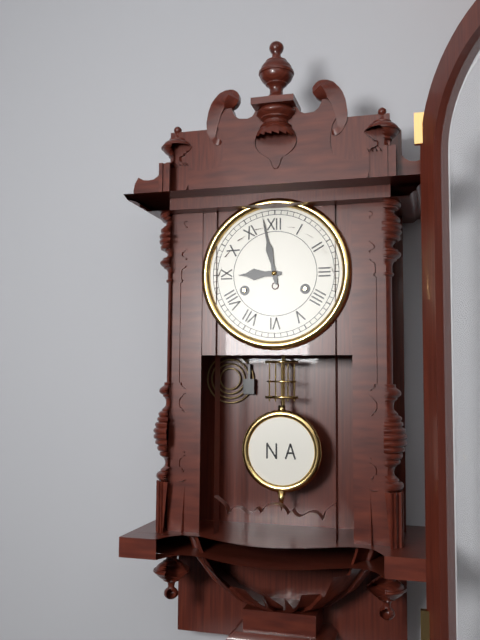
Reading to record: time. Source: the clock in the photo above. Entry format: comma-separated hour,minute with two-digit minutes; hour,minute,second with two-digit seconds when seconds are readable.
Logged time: 8,58
